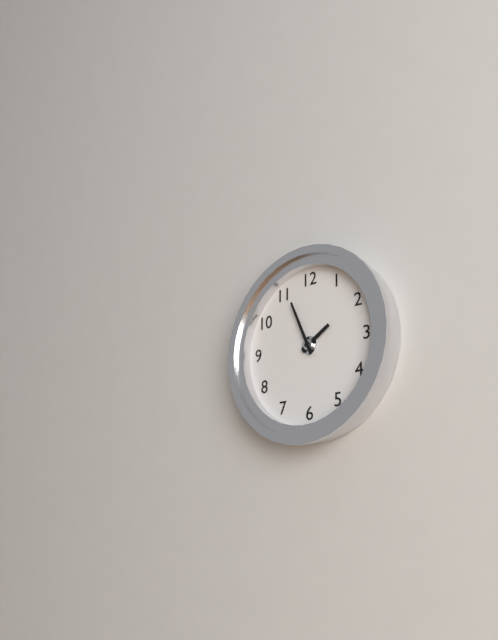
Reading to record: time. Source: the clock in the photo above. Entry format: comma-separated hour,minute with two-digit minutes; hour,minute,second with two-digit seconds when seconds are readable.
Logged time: 1,56
